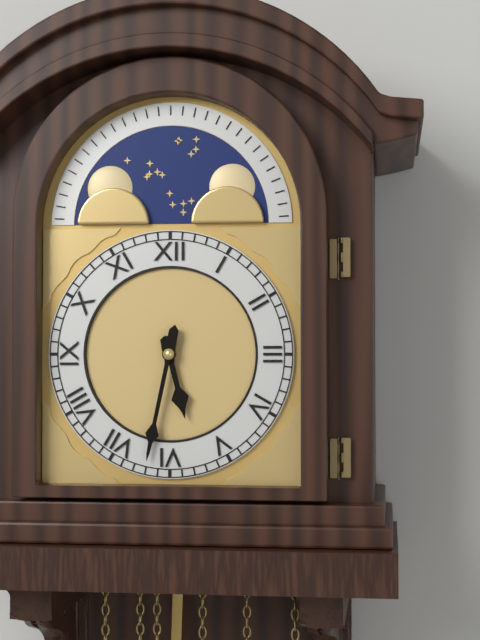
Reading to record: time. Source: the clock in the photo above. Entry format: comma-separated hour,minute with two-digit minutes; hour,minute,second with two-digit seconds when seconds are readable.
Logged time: 5,32
